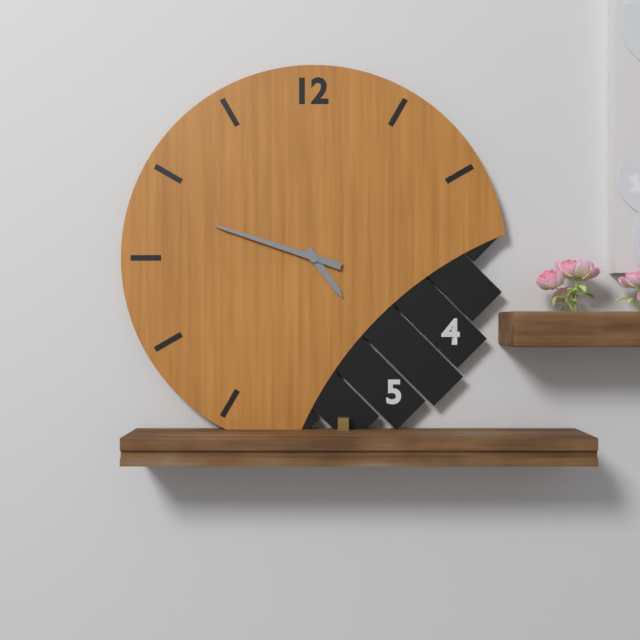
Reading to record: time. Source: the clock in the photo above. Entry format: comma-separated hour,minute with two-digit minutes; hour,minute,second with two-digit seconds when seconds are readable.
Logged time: 4,48
